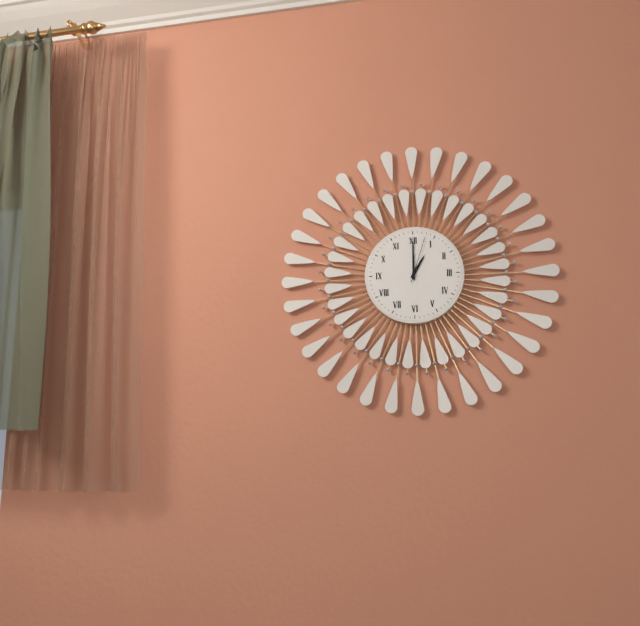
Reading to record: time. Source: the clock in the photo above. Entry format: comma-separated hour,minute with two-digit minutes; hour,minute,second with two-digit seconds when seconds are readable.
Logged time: 1,00,03
